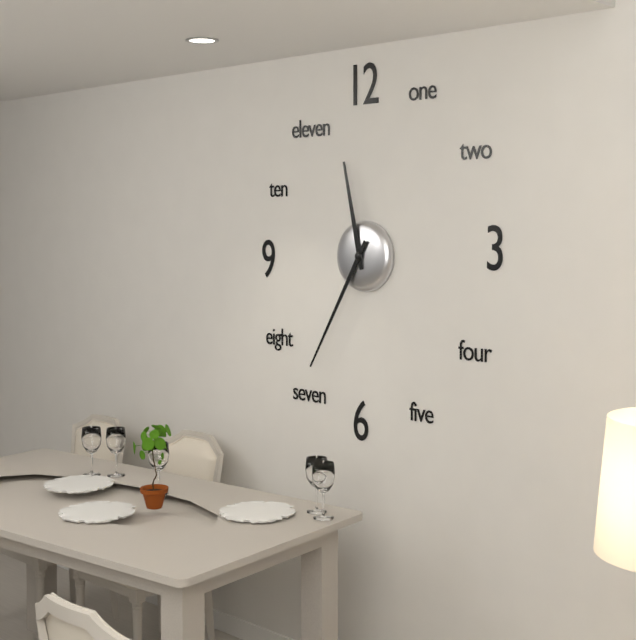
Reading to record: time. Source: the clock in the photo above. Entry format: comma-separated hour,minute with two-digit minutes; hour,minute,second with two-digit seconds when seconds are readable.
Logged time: 11,35
